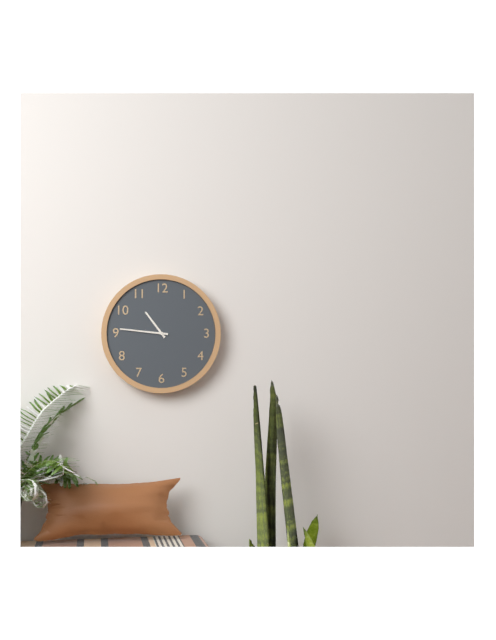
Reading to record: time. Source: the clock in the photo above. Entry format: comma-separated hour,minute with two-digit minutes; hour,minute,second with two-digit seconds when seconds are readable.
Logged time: 10,46
